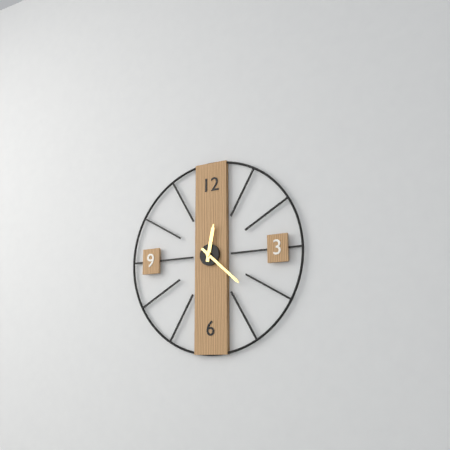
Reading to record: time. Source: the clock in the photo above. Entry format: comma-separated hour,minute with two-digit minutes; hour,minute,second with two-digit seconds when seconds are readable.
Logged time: 12,22
